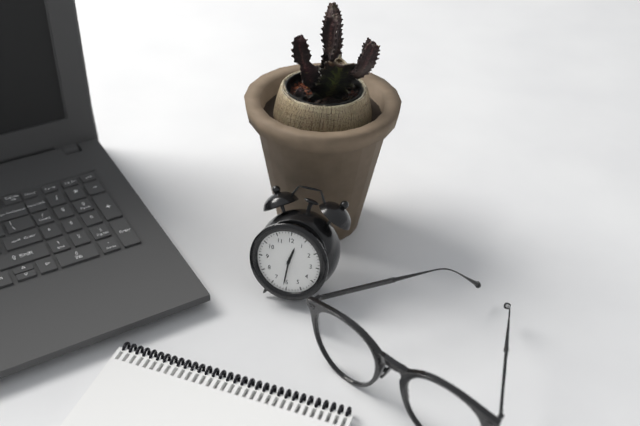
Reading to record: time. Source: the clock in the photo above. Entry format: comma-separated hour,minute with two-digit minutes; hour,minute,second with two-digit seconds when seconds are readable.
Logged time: 12,31
